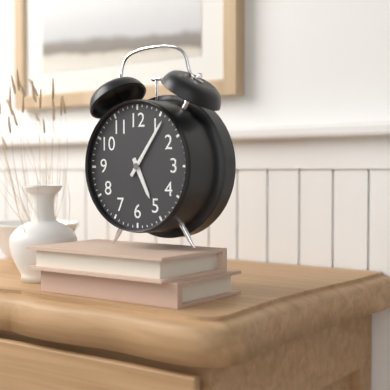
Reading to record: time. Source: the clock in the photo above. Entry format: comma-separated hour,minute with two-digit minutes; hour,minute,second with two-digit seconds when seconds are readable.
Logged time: 5,06
